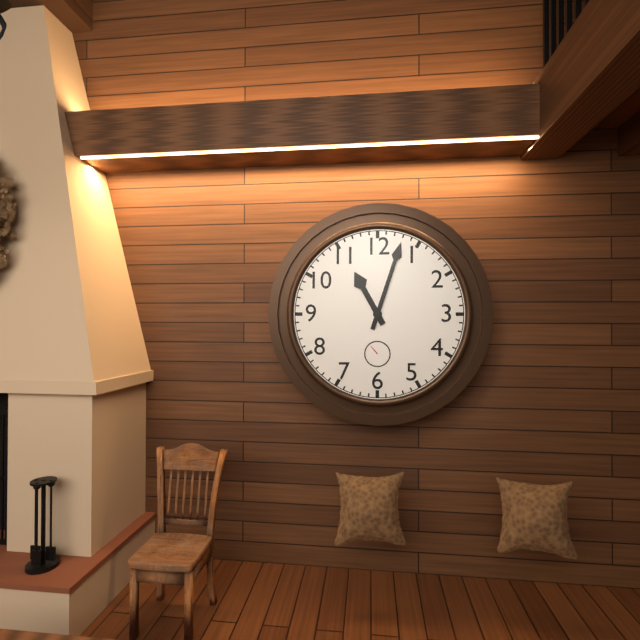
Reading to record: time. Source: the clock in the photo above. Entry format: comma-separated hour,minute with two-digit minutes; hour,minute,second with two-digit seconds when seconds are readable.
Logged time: 11,03
